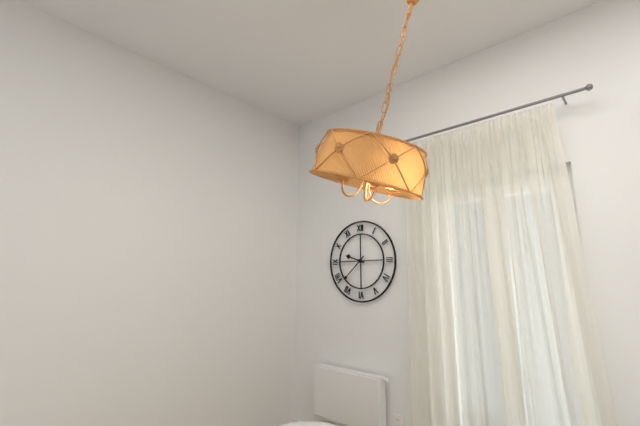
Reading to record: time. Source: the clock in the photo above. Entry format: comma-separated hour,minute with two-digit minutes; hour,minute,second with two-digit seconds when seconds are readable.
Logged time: 9,38
